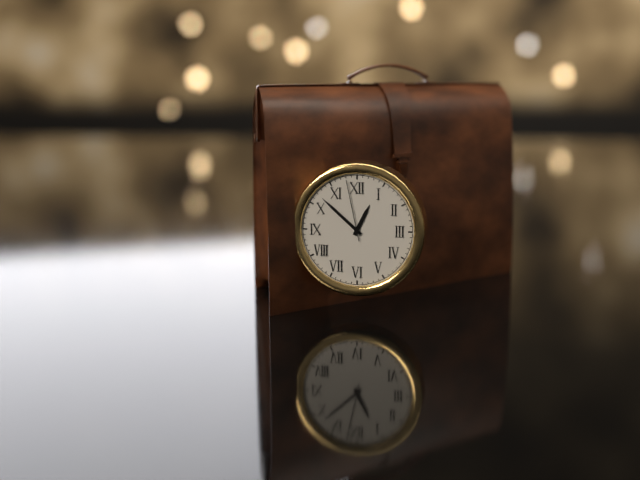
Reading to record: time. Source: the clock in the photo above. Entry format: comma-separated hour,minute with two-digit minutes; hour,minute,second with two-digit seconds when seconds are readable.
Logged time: 12,52,58
